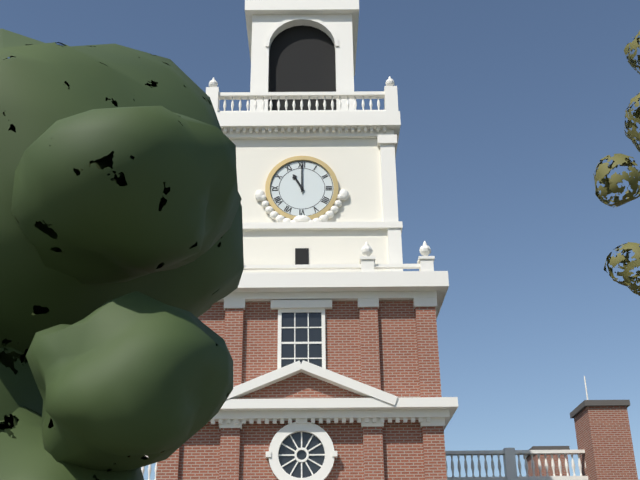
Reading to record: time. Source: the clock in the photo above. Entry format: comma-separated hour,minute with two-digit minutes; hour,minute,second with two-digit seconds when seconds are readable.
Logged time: 11,00
